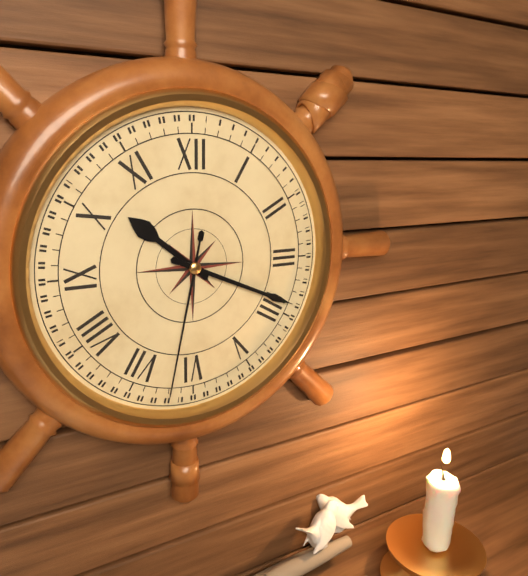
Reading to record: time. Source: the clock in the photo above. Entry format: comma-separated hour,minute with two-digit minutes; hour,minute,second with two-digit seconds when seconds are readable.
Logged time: 10,19,32
